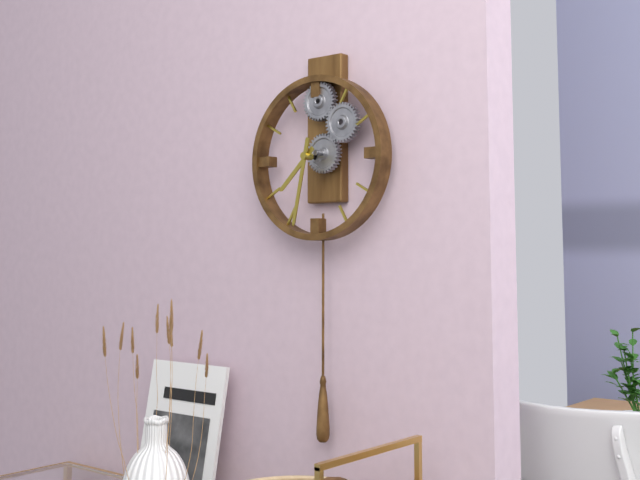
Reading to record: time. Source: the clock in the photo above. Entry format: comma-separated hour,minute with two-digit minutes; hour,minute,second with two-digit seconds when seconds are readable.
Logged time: 7,32
